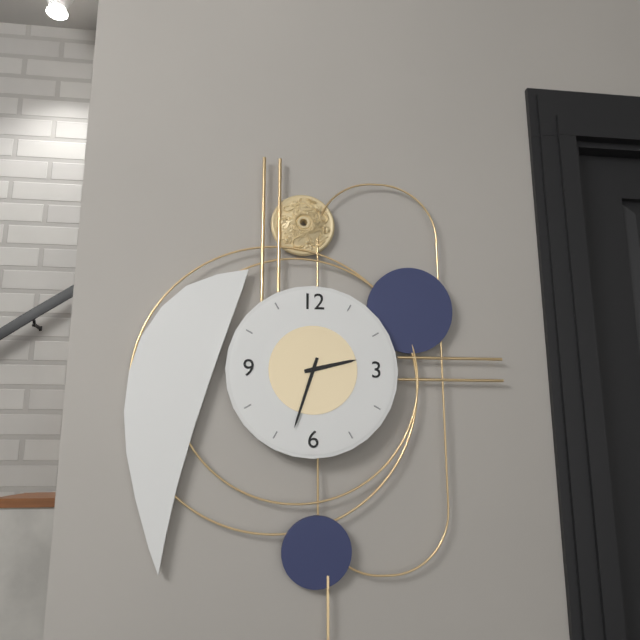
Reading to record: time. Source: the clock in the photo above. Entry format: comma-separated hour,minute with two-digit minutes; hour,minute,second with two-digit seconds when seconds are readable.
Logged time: 2,33
